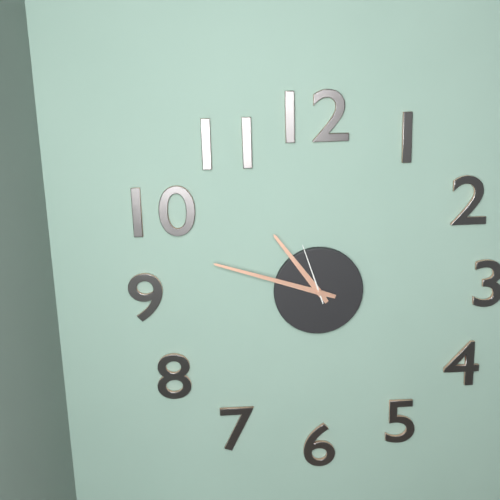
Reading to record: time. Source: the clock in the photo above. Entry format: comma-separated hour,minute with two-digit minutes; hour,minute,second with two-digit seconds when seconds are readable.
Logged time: 10,48,57
